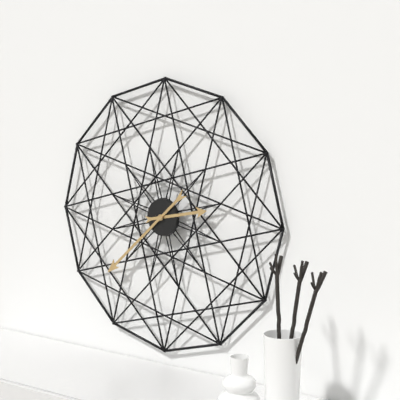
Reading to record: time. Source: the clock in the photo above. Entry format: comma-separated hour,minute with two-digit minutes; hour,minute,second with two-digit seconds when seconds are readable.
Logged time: 2,38
